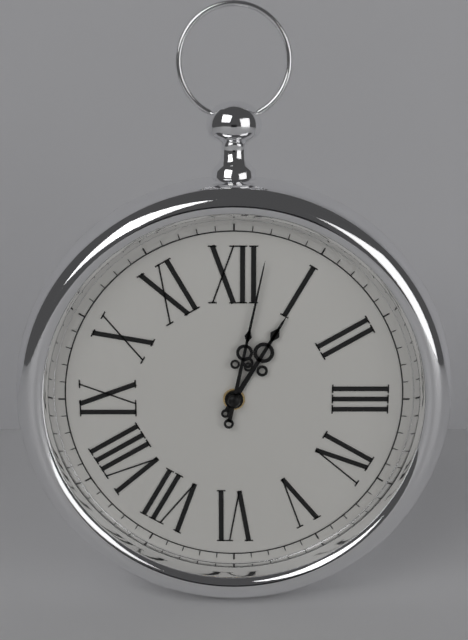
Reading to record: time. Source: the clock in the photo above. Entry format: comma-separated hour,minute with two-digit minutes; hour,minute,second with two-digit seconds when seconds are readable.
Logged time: 1,02
